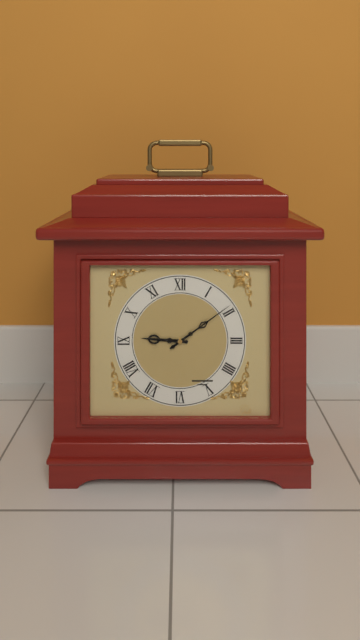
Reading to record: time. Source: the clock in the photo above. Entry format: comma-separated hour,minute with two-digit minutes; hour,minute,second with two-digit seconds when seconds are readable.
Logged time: 9,09
